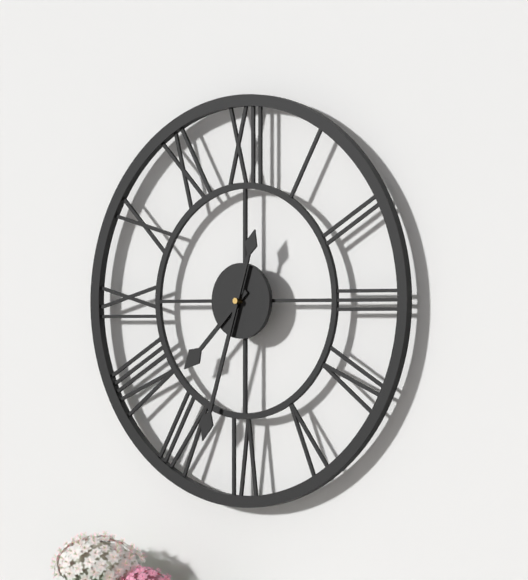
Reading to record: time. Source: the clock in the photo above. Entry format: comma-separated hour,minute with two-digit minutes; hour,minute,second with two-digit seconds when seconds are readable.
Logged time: 7,33
